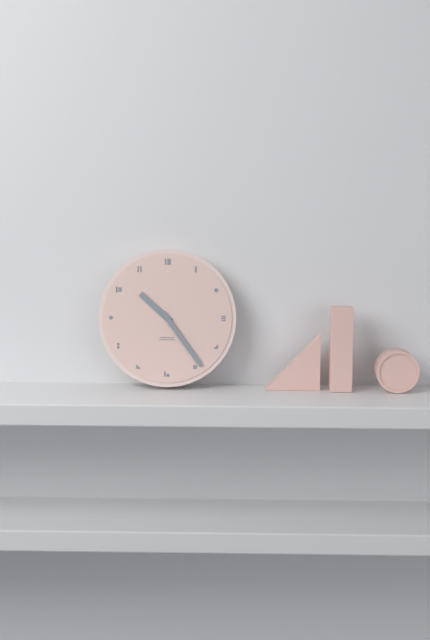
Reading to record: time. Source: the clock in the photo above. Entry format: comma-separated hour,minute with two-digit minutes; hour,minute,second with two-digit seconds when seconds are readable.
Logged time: 10,24
